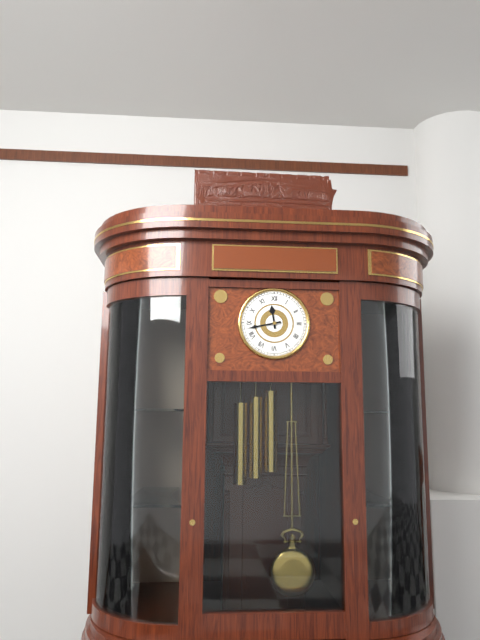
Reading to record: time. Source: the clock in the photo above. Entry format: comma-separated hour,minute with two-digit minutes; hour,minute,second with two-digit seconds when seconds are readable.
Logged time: 11,43
